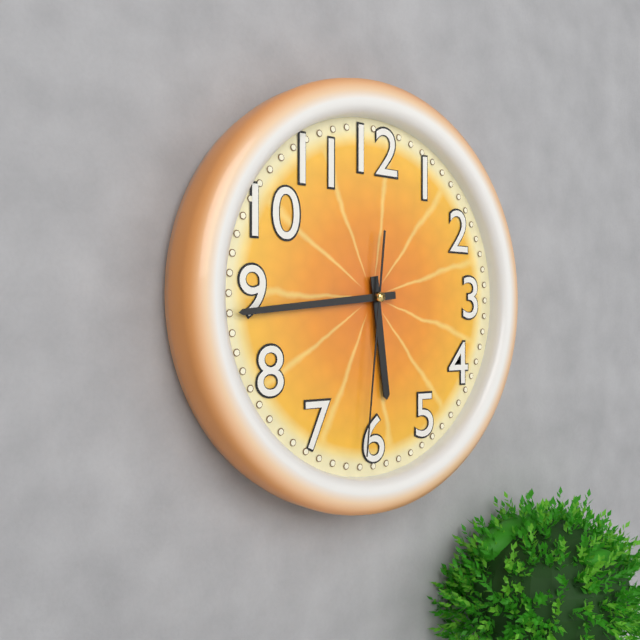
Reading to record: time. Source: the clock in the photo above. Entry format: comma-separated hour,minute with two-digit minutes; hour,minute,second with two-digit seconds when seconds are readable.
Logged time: 5,44,31
